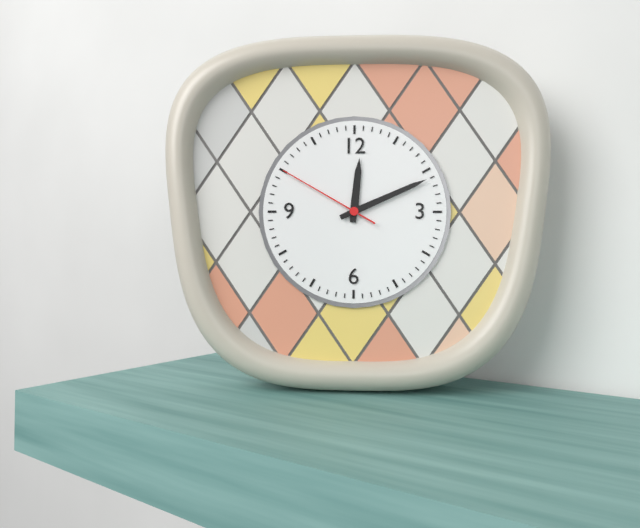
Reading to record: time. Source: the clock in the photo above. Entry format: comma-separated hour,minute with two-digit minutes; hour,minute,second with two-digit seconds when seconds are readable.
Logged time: 12,11,50
